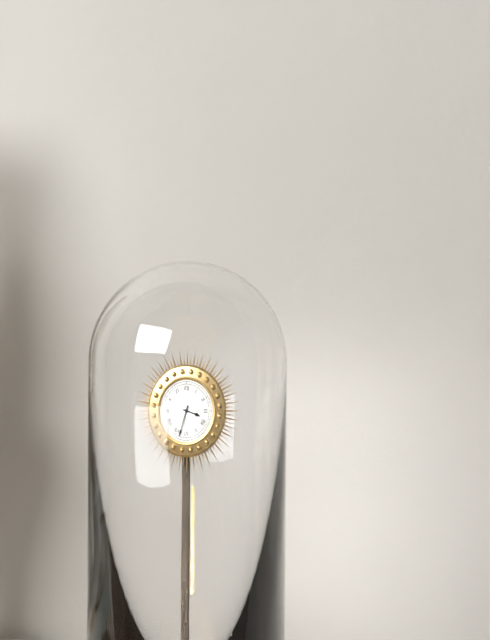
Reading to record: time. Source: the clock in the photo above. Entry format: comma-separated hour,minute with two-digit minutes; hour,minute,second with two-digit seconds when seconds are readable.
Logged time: 3,33
